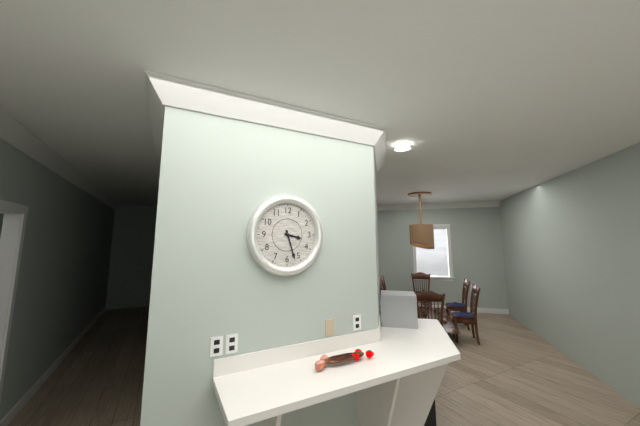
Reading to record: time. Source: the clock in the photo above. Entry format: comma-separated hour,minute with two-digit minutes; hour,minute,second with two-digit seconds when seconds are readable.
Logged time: 3,27
